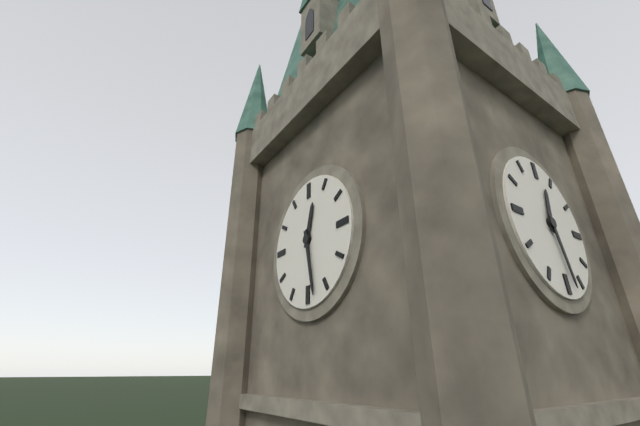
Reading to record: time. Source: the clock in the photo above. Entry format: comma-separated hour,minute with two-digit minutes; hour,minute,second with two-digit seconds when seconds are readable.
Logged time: 12,28
